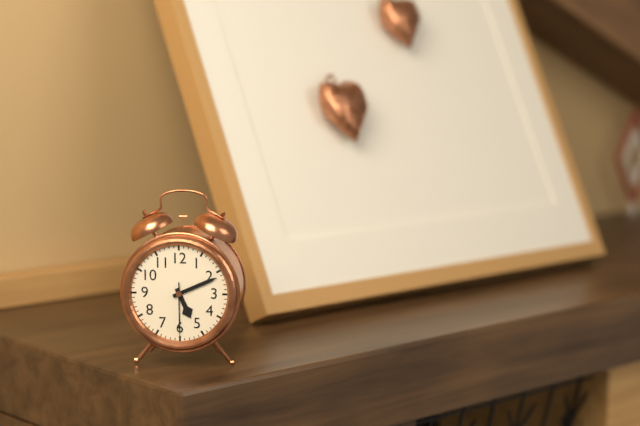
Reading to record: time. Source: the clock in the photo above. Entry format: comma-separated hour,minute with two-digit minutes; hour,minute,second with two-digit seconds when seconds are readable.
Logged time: 5,11,30
